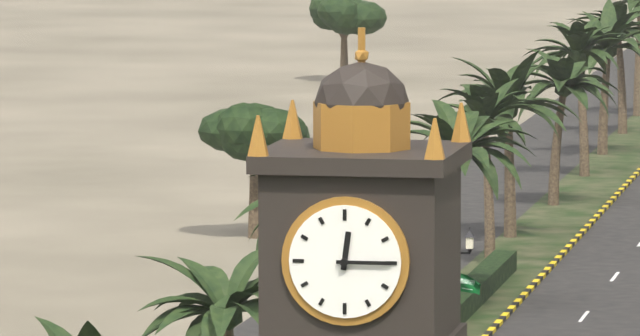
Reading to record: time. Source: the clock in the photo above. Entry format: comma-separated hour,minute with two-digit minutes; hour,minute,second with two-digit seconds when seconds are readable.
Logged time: 12,15
